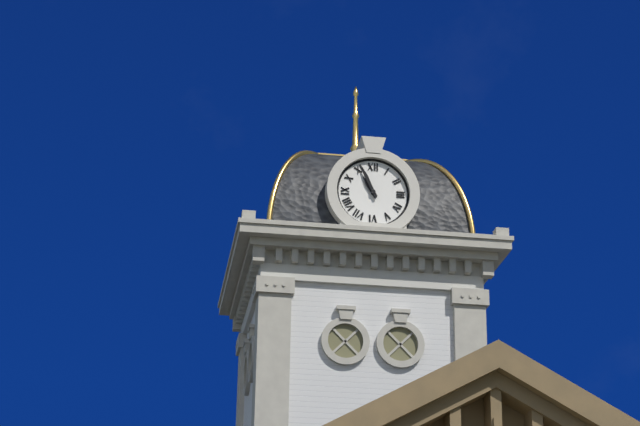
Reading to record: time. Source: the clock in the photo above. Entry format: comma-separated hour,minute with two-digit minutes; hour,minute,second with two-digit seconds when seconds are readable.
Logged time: 10,56
